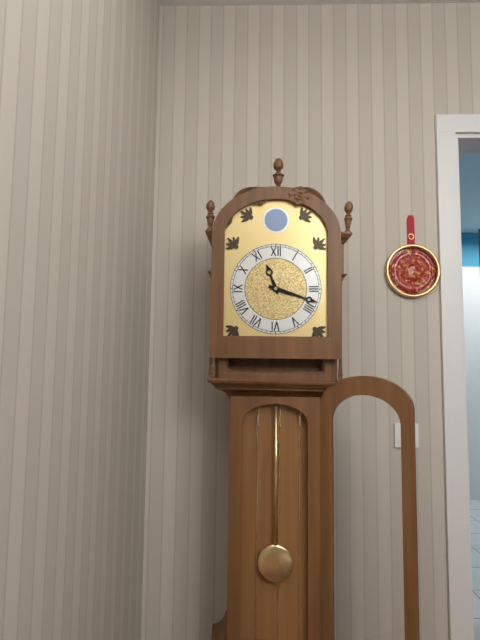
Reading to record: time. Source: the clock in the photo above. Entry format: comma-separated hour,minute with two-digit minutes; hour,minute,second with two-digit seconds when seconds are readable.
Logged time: 11,18
